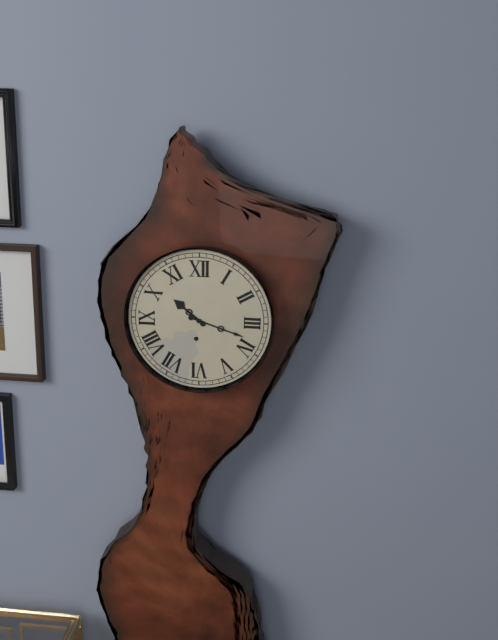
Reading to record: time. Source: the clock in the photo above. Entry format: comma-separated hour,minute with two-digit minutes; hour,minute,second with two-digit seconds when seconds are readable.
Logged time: 10,18
